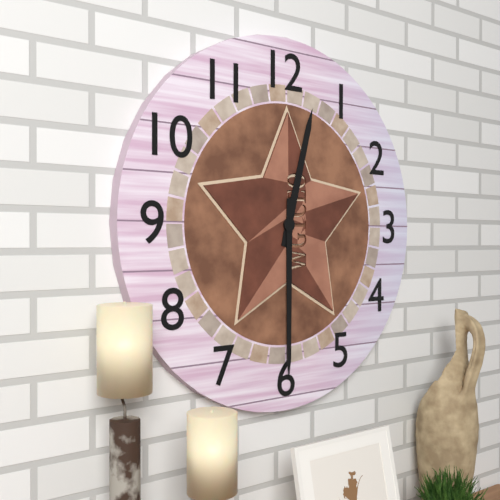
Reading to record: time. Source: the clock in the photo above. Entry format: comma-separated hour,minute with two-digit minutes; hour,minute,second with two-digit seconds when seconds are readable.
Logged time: 12,30
